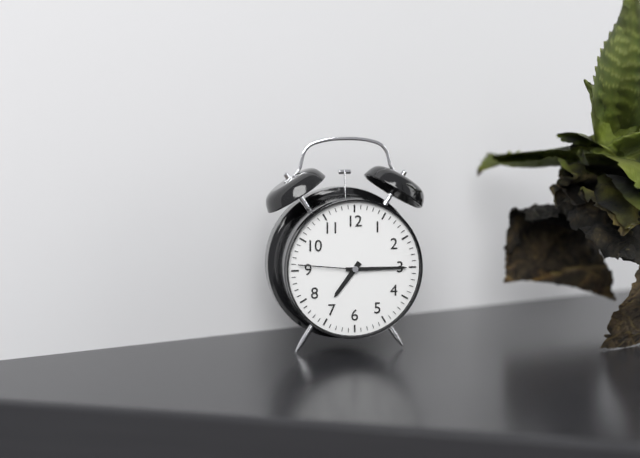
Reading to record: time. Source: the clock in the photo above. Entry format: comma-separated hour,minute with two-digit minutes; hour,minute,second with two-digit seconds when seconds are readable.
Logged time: 7,15,46
